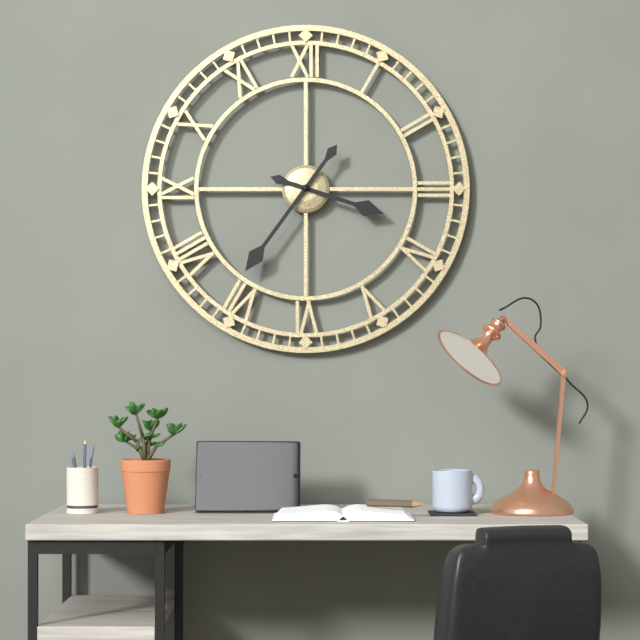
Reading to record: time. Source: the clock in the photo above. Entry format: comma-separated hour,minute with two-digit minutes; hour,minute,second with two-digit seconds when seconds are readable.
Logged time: 3,36
